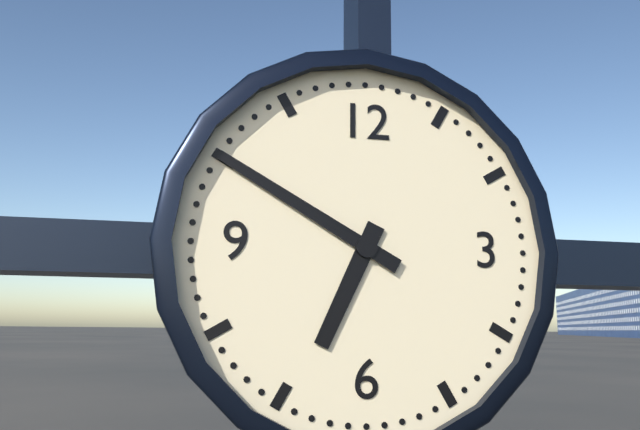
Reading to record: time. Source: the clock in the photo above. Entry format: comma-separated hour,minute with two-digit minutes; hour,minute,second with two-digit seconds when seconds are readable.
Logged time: 6,50
